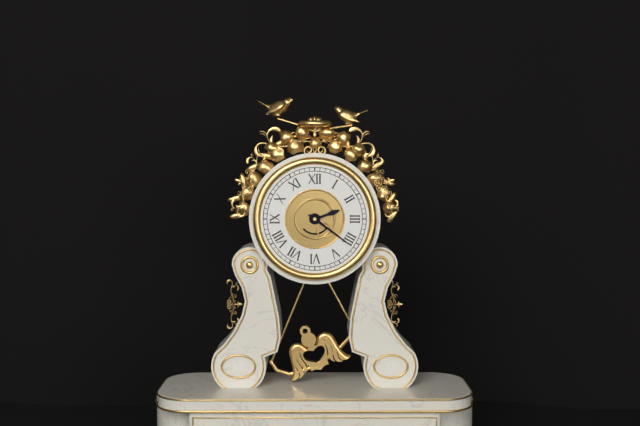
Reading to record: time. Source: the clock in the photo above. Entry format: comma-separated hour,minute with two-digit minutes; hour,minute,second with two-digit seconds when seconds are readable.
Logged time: 2,21
